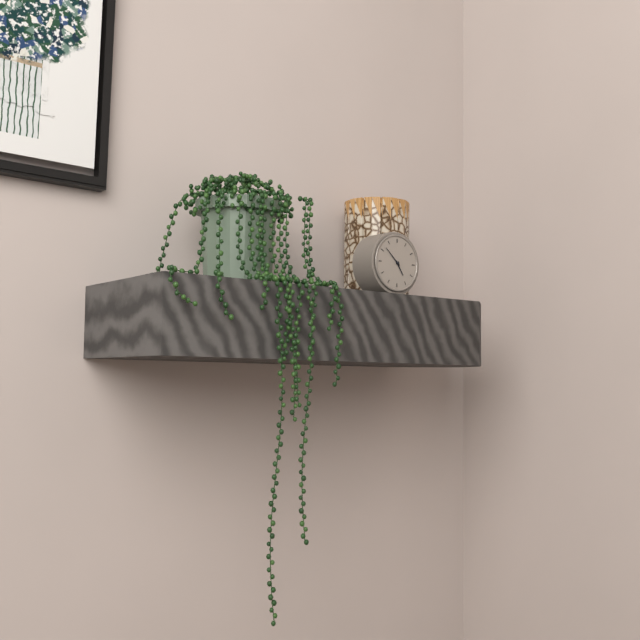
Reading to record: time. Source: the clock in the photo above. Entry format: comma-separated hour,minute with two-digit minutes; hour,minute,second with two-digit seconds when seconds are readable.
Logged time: 4,52
